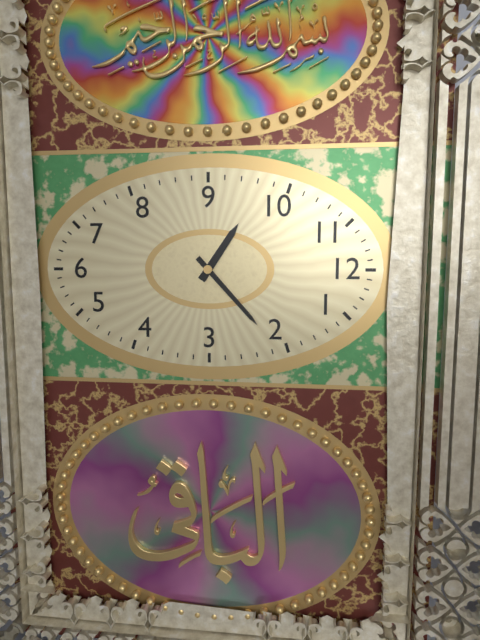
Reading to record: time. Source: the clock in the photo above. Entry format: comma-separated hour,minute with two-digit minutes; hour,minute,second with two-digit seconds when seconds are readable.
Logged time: 10,08
